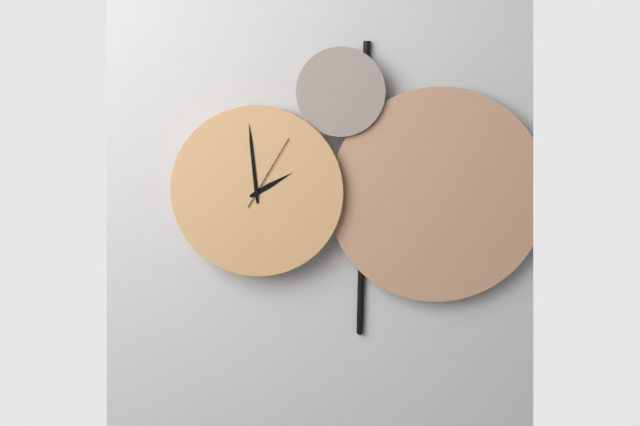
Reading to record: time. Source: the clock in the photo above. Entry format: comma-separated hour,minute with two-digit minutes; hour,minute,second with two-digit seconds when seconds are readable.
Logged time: 1,59,05
